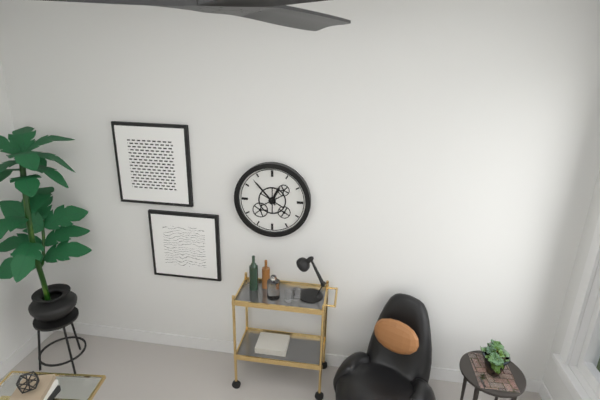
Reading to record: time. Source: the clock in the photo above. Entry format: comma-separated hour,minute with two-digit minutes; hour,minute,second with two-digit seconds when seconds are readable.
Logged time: 12,53
